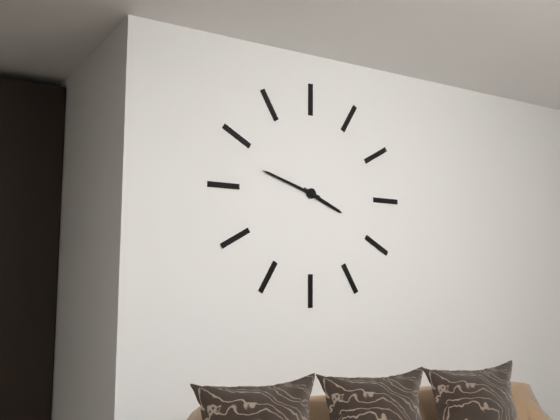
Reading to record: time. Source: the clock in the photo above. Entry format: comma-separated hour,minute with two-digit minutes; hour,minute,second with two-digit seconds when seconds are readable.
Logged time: 3,48
